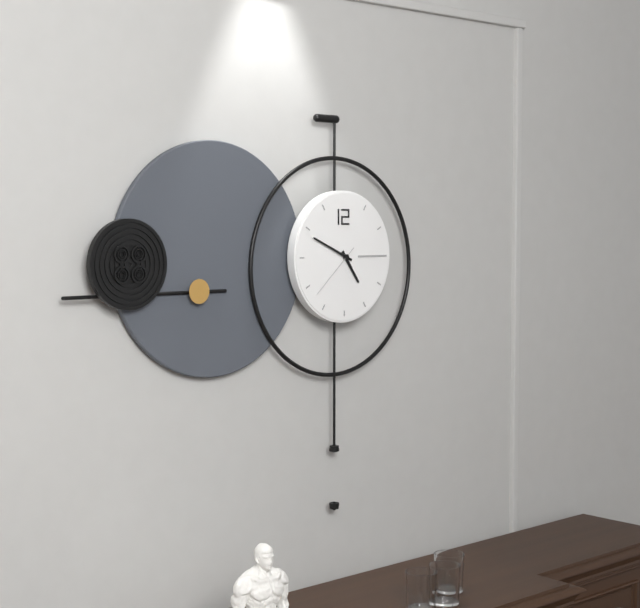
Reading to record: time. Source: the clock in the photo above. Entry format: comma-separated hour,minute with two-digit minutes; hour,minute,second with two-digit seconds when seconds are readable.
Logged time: 4,49
